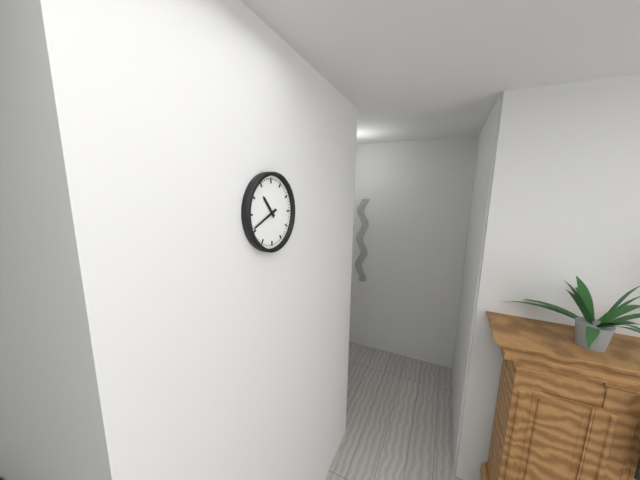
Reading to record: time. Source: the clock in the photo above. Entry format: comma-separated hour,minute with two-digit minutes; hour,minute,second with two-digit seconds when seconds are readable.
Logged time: 10,41
